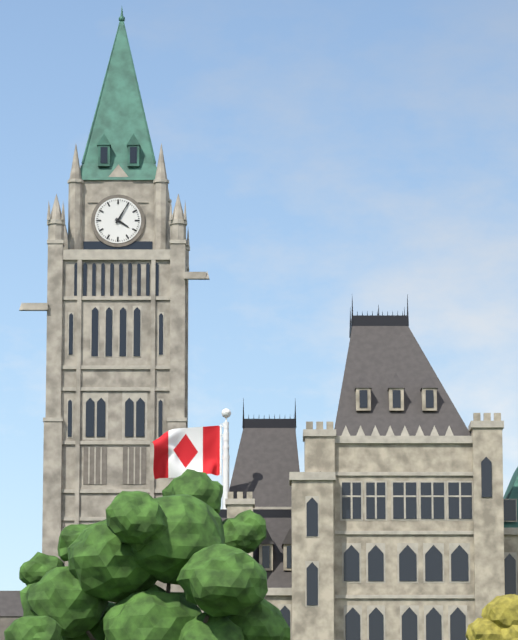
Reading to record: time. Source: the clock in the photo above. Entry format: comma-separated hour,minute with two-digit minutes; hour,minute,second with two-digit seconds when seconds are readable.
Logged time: 4,05
